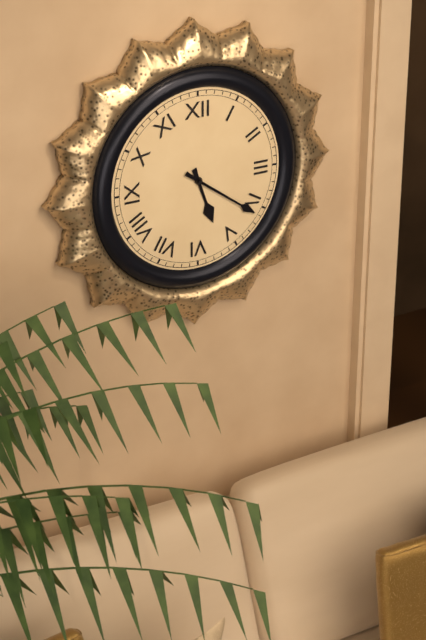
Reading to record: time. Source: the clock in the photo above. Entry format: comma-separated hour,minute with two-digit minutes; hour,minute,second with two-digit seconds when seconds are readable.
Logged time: 5,21
